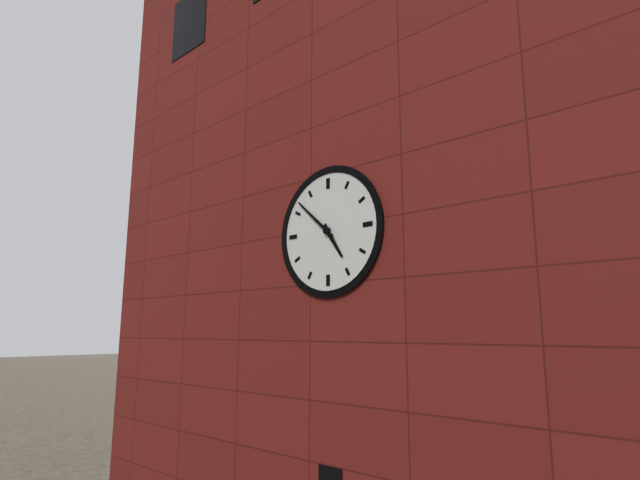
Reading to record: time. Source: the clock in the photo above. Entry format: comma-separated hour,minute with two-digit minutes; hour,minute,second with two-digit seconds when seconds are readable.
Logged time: 4,52
